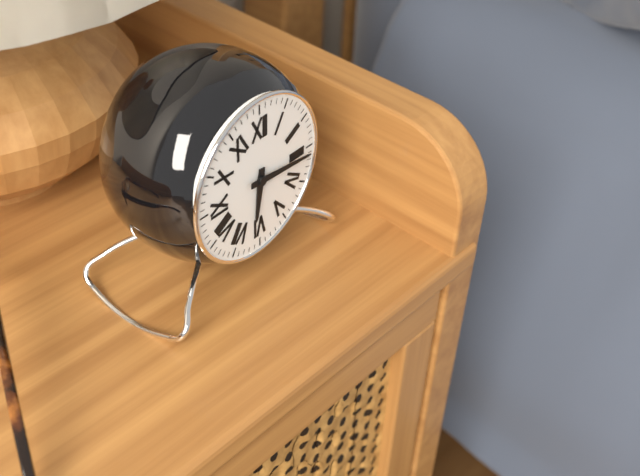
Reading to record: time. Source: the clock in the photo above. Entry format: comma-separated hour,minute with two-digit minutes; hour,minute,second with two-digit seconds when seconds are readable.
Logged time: 6,16
